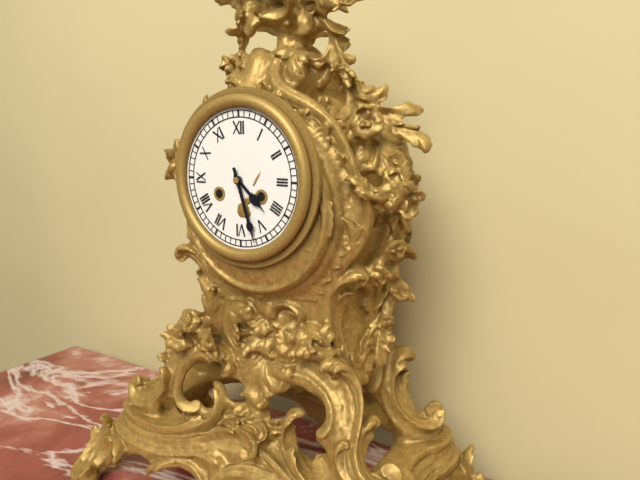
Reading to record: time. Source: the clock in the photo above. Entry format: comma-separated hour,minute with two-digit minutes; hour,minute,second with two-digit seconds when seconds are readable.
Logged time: 4,27
